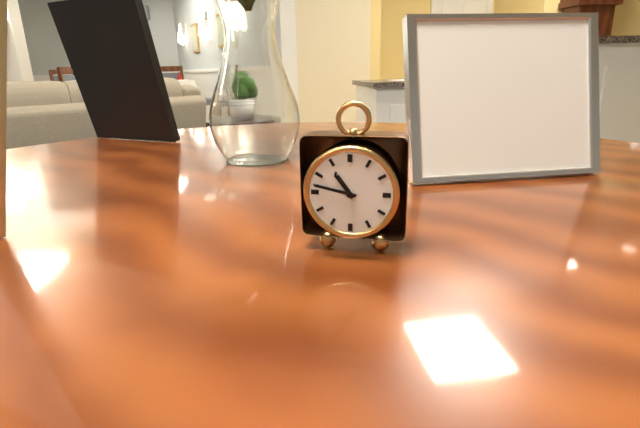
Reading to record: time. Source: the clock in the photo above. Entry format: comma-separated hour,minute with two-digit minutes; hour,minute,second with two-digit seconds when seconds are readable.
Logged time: 10,47
